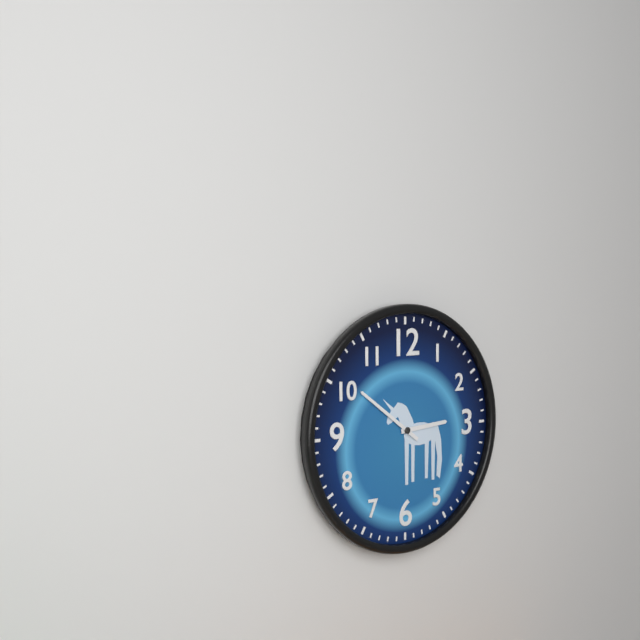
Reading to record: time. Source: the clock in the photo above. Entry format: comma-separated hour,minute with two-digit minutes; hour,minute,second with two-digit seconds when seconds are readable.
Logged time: 2,51
